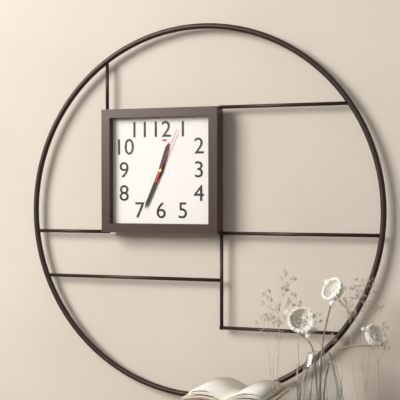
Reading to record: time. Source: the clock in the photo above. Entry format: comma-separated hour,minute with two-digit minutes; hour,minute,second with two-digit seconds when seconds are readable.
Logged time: 12,34,04
